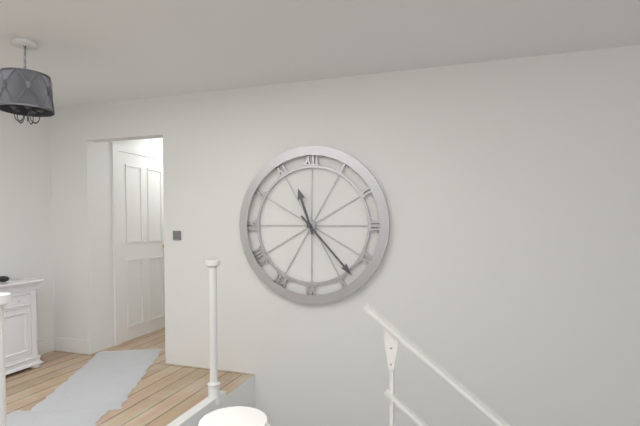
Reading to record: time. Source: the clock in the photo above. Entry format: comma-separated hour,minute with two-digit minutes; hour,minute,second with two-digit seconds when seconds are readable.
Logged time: 11,23
